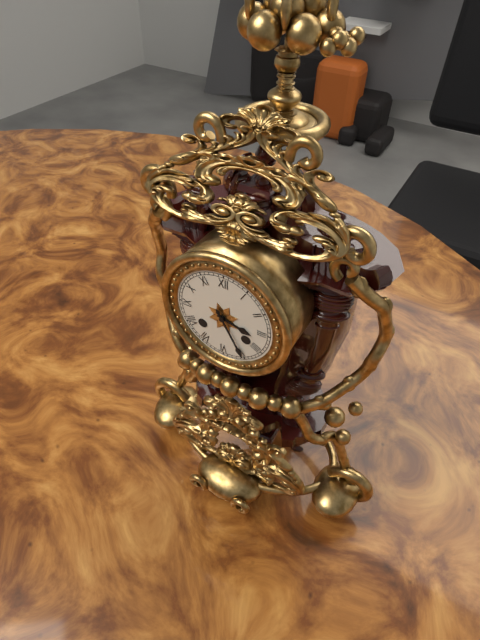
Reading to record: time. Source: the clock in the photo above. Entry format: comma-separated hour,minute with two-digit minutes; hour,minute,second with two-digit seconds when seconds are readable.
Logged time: 3,25
